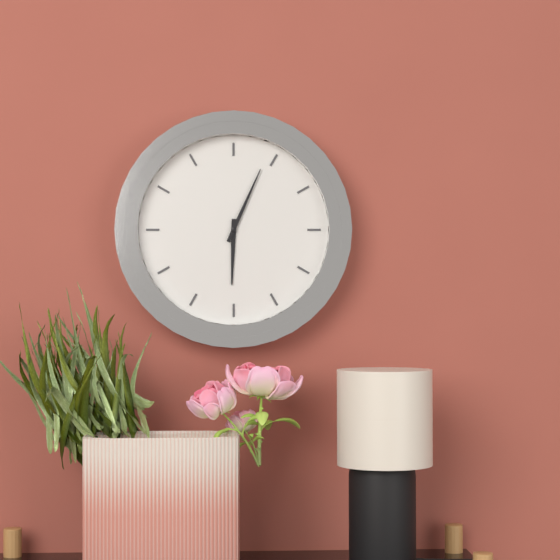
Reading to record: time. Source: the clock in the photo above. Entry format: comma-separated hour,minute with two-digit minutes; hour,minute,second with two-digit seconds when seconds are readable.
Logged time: 6,04
